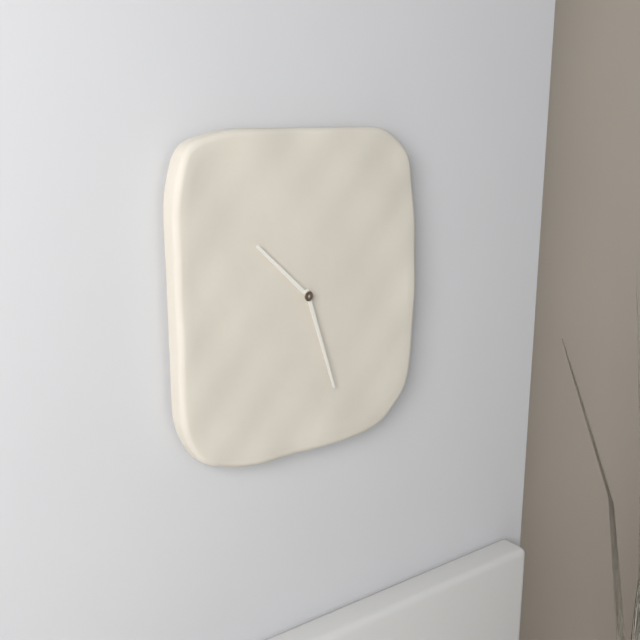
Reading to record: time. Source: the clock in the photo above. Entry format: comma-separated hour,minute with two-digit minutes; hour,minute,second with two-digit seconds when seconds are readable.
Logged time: 10,27
